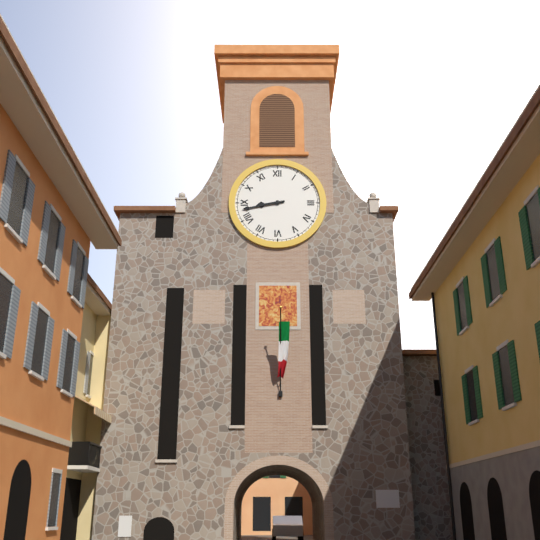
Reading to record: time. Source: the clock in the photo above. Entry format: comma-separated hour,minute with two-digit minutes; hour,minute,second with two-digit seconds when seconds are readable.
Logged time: 8,43
